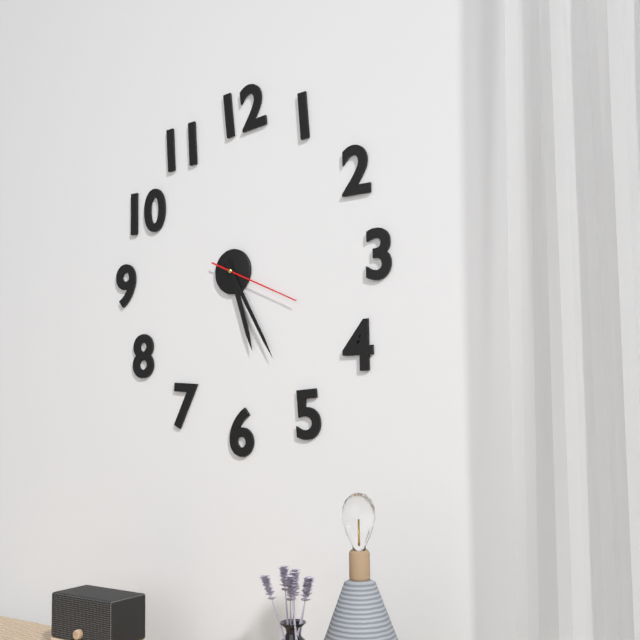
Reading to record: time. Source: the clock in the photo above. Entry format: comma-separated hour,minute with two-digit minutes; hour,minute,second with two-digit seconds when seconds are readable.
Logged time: 5,25,19
